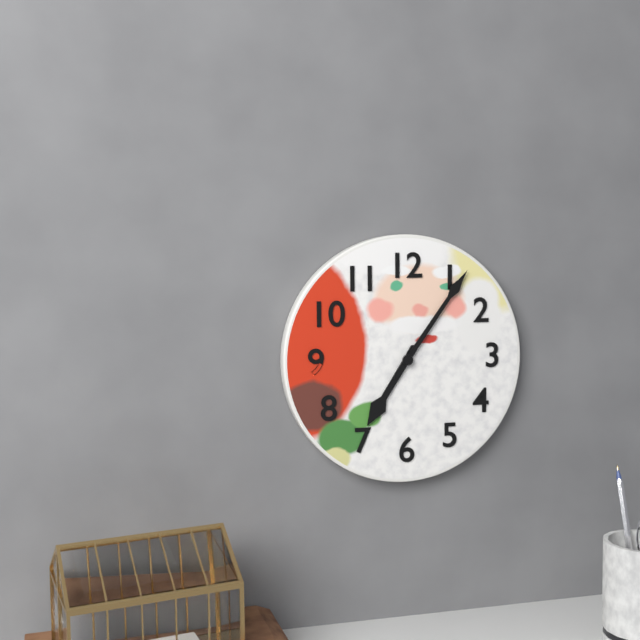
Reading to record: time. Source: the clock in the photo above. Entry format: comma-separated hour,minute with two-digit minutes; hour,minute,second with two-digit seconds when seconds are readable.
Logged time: 7,06
